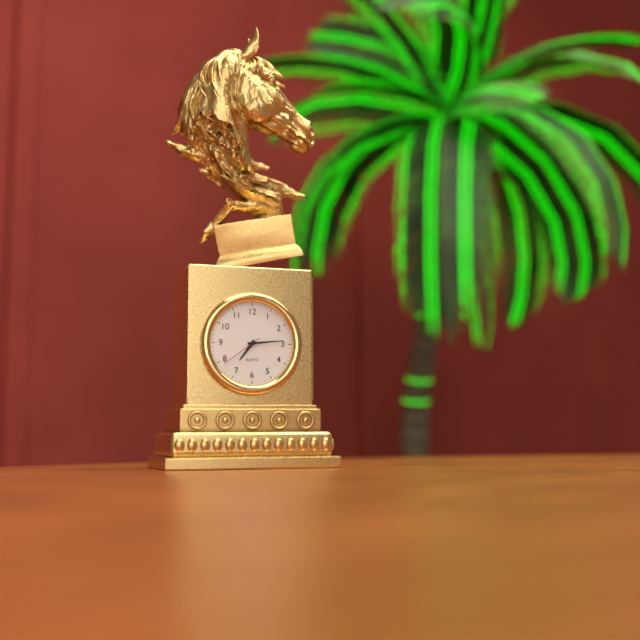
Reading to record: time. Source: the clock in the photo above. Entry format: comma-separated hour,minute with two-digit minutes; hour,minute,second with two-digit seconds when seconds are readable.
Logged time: 7,14
